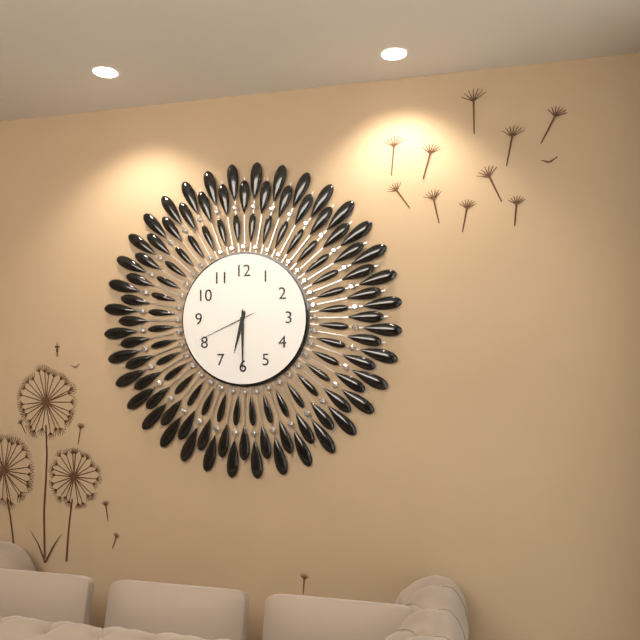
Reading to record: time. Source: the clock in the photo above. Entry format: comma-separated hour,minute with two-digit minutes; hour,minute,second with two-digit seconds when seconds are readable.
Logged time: 6,30,41
